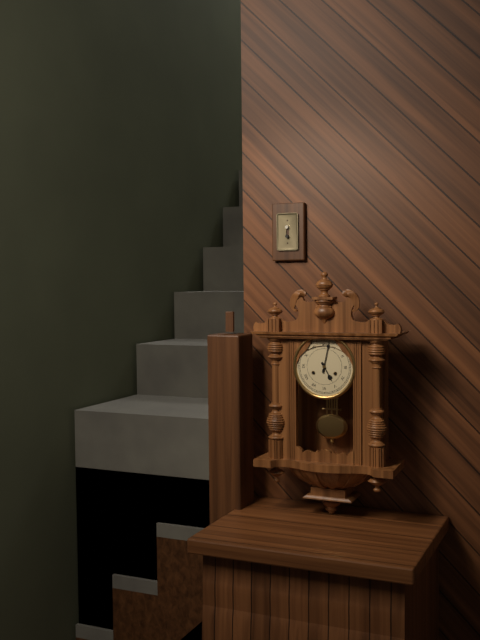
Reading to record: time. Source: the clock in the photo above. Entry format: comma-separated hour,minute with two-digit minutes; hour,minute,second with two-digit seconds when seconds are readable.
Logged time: 5,02
